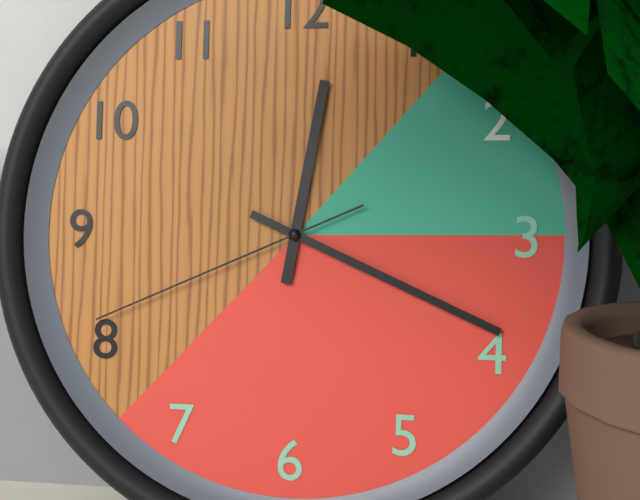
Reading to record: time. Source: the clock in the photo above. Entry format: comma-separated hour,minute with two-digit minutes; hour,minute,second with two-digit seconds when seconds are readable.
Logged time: 12,19,41
